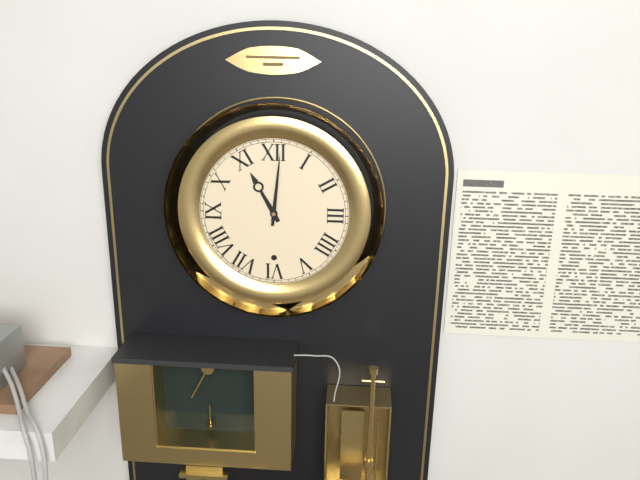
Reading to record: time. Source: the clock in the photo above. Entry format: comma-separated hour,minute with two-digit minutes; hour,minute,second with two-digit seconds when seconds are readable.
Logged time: 11,01
